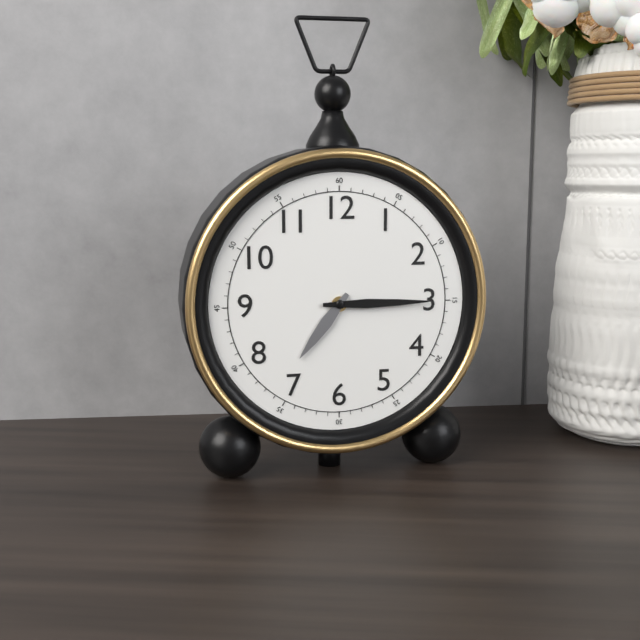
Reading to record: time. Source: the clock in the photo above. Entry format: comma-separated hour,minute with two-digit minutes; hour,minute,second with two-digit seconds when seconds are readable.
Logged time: 7,15
